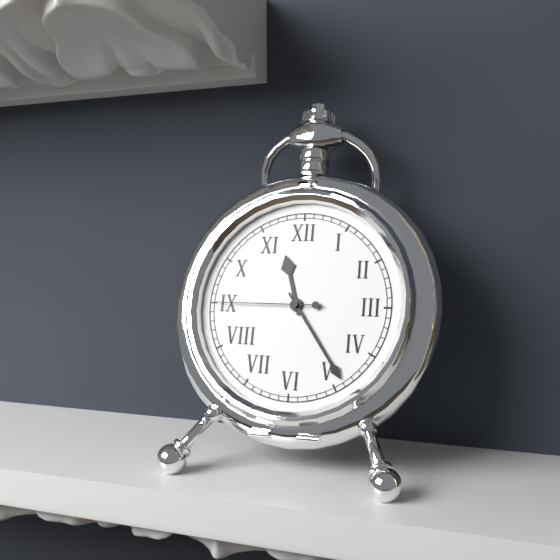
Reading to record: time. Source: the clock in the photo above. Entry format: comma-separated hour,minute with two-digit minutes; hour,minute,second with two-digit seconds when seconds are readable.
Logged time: 11,24,45
